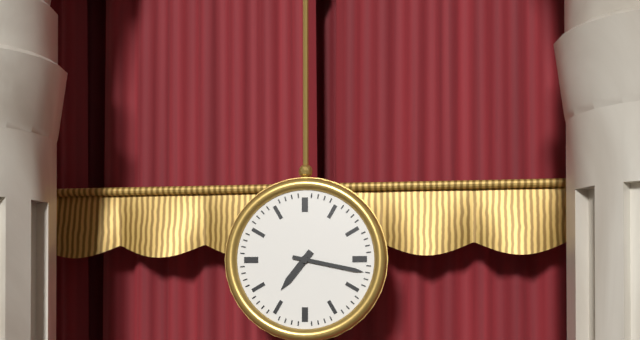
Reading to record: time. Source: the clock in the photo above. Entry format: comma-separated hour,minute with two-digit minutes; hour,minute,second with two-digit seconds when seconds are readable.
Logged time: 7,17
